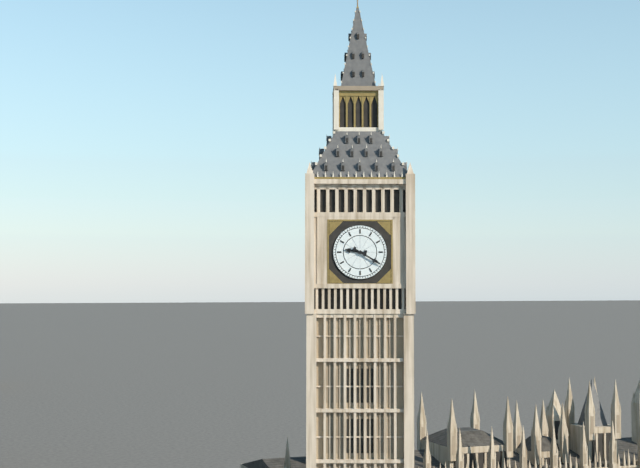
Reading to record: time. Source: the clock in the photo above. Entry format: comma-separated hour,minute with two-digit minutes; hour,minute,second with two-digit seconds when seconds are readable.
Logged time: 9,20
